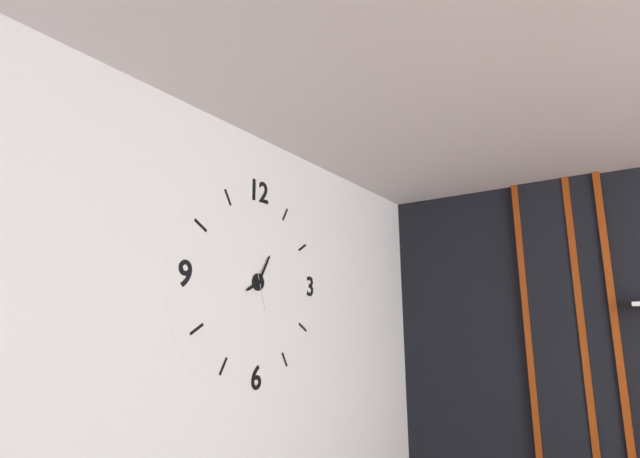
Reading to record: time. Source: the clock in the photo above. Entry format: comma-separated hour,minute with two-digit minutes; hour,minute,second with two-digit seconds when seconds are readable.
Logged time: 8,05
